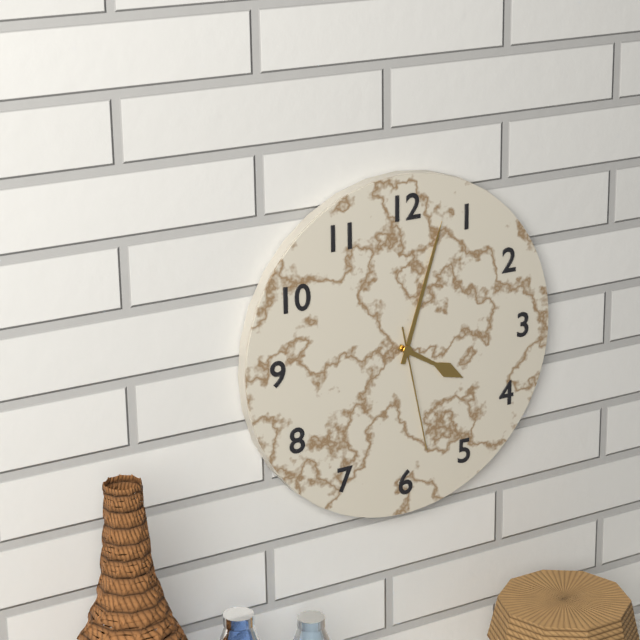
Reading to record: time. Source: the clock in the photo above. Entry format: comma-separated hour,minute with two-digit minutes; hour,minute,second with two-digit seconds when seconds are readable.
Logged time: 4,03,28
